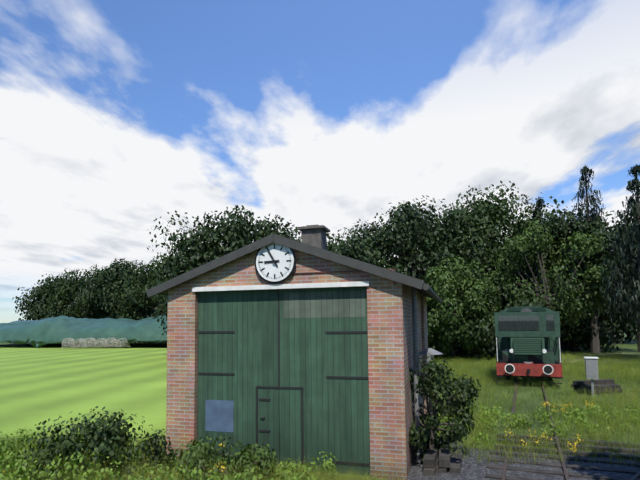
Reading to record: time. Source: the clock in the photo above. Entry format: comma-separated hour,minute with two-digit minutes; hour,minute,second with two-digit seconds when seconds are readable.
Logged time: 8,55
